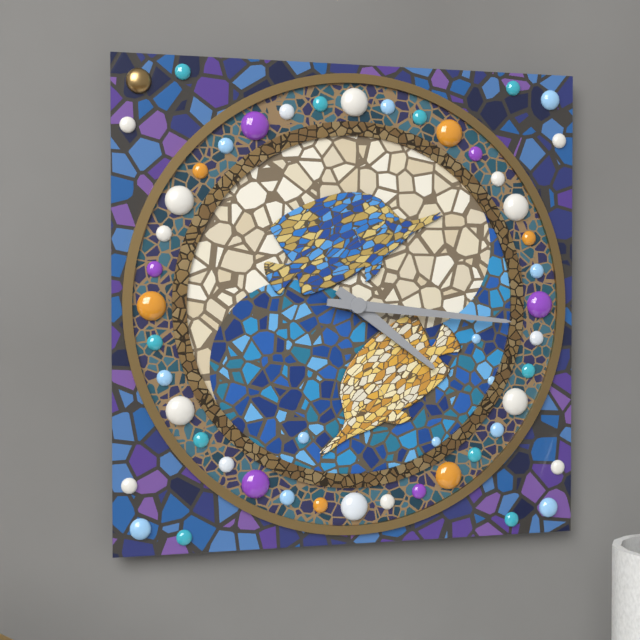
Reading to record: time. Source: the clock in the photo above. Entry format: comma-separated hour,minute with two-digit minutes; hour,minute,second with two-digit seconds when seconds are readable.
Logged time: 4,16
